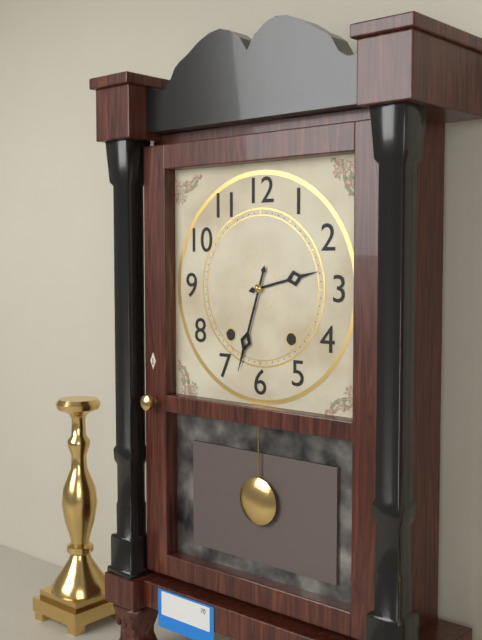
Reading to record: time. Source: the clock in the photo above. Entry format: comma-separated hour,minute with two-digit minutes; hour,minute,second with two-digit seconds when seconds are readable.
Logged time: 2,33
